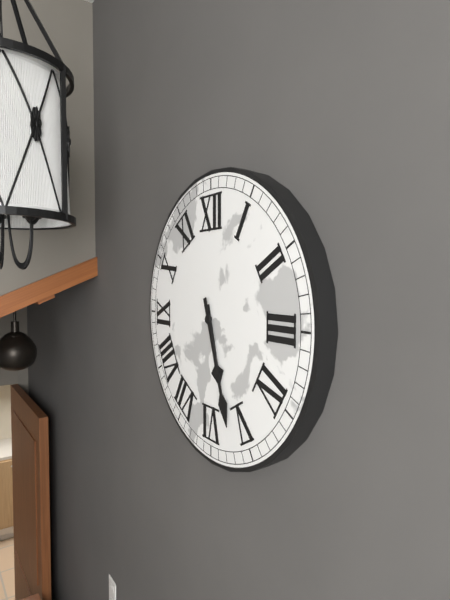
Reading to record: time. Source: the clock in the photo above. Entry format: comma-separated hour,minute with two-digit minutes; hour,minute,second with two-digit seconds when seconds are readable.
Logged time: 5,27
